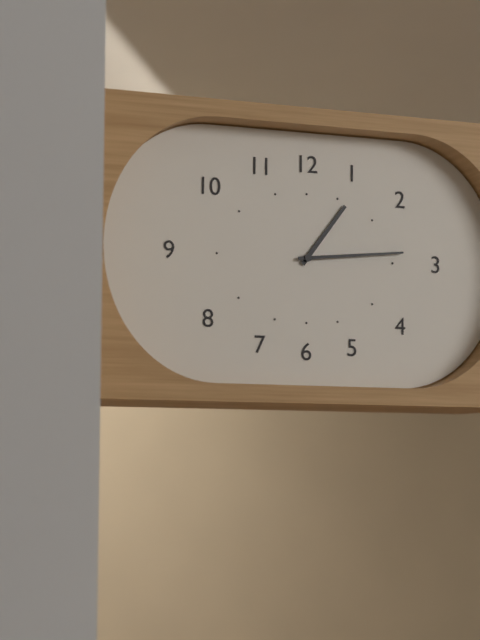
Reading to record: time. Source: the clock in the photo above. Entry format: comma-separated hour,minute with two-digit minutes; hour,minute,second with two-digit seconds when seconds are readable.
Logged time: 1,14
